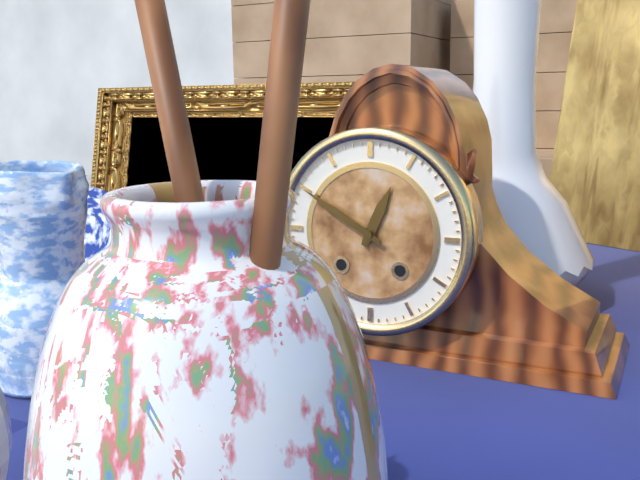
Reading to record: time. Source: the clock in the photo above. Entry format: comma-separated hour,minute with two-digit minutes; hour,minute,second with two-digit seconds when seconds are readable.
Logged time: 12,50
